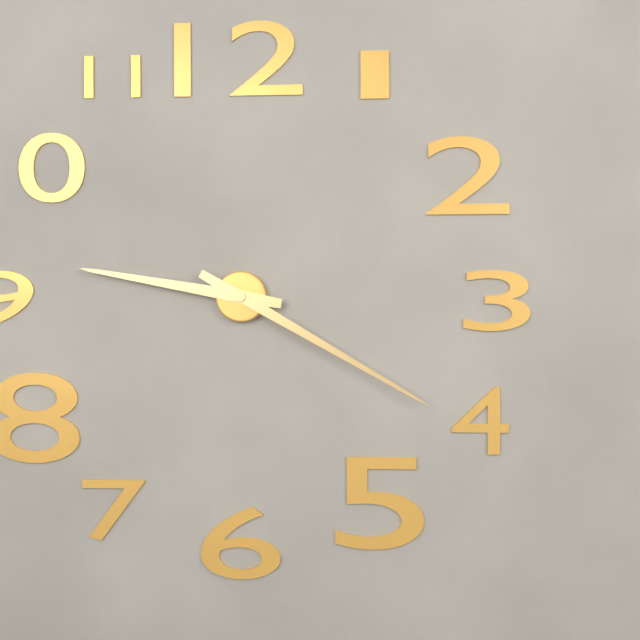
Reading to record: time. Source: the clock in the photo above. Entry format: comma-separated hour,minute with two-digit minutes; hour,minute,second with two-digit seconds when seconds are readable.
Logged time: 9,20
